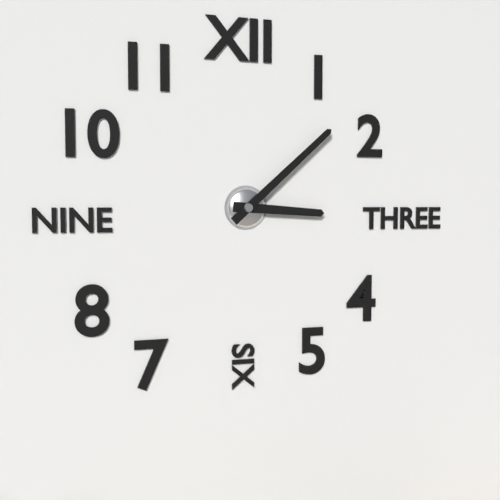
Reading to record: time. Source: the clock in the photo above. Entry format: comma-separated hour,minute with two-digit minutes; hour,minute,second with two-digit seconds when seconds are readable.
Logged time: 3,08
